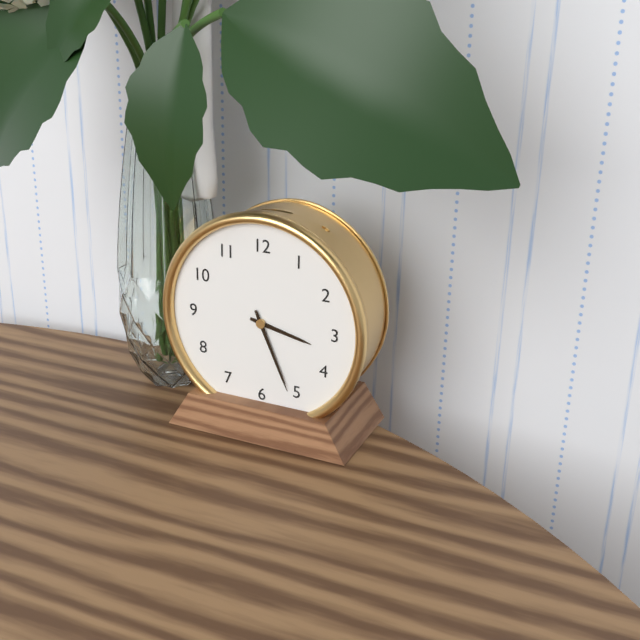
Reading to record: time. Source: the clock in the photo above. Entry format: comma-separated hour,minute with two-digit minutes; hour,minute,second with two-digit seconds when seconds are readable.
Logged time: 3,26
